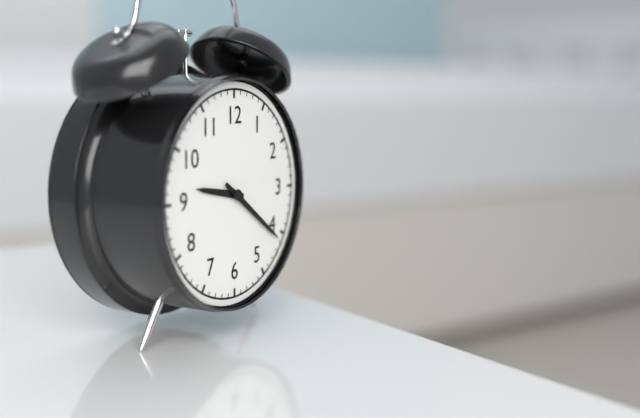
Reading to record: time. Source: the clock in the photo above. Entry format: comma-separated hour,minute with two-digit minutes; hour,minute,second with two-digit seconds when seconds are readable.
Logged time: 9,21
